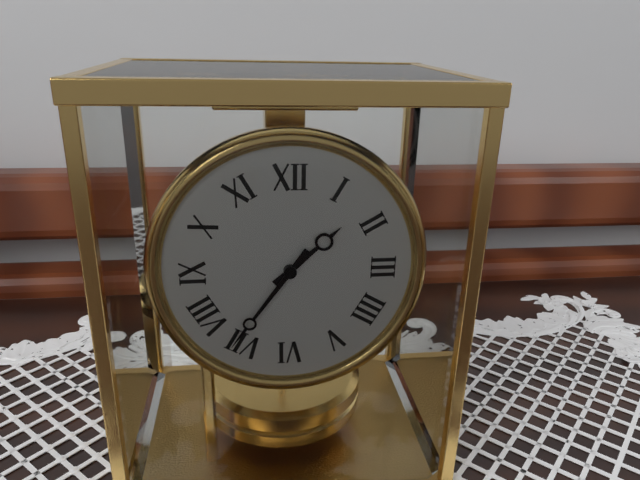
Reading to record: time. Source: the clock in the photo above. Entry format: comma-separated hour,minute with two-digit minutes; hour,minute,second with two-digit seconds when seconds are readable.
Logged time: 1,36
